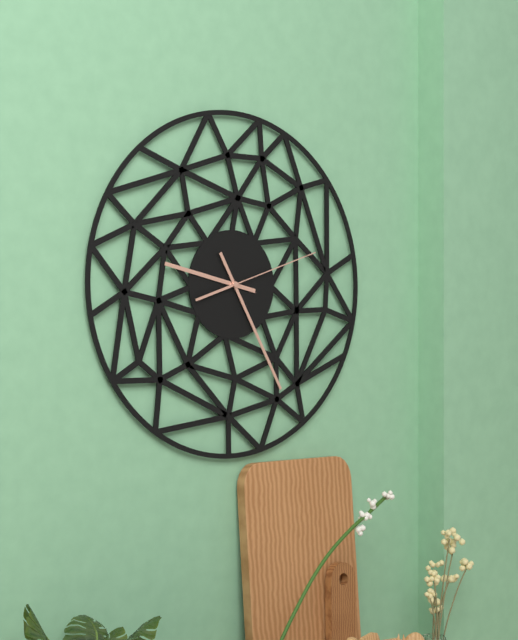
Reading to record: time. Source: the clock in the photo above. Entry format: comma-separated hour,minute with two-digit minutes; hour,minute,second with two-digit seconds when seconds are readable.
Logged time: 9,25,12
